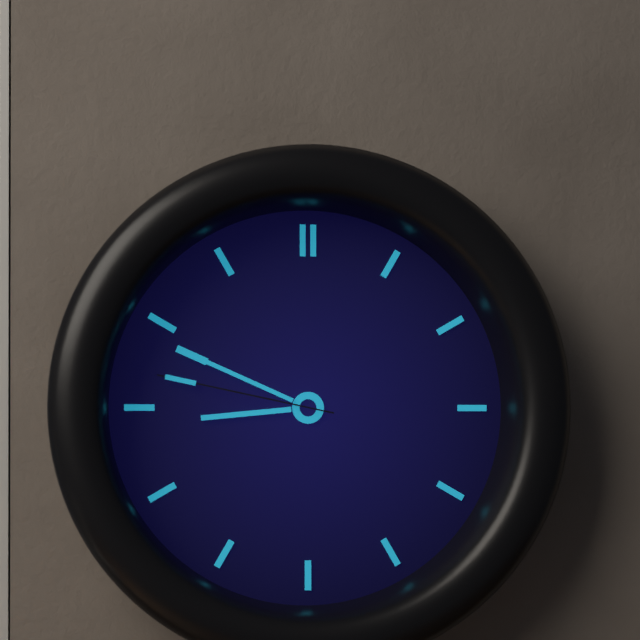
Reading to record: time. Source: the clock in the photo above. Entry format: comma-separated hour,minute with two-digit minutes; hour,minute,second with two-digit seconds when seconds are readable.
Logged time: 8,49,47
